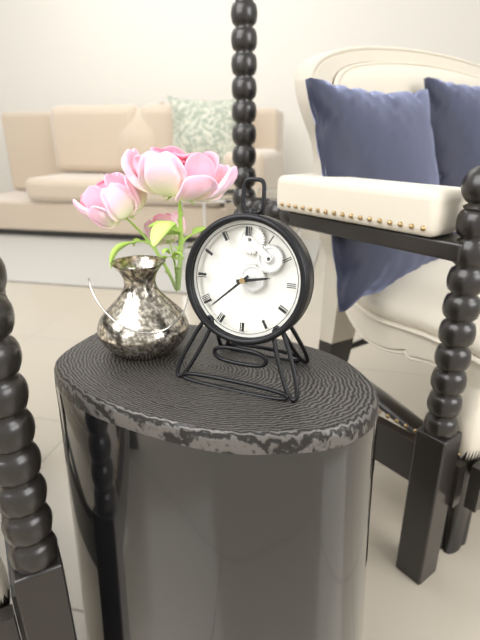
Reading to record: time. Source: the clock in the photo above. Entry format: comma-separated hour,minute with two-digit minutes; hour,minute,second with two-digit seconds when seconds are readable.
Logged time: 2,38
